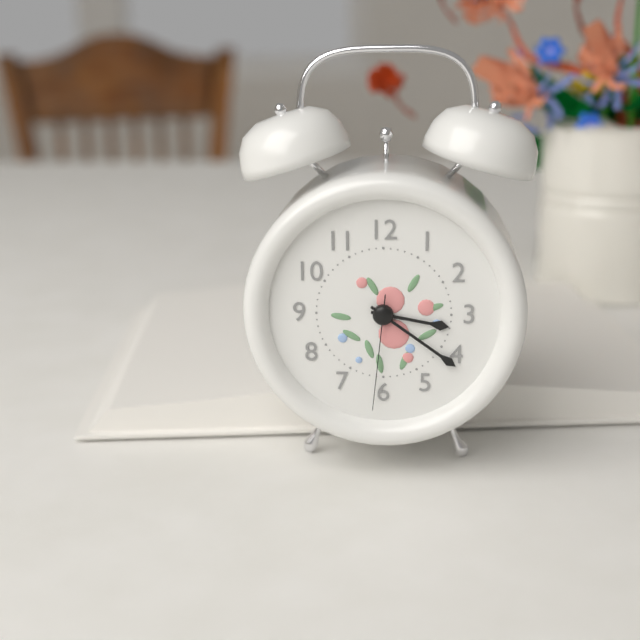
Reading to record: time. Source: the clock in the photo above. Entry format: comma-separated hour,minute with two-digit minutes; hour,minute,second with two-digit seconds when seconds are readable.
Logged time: 3,21,31
